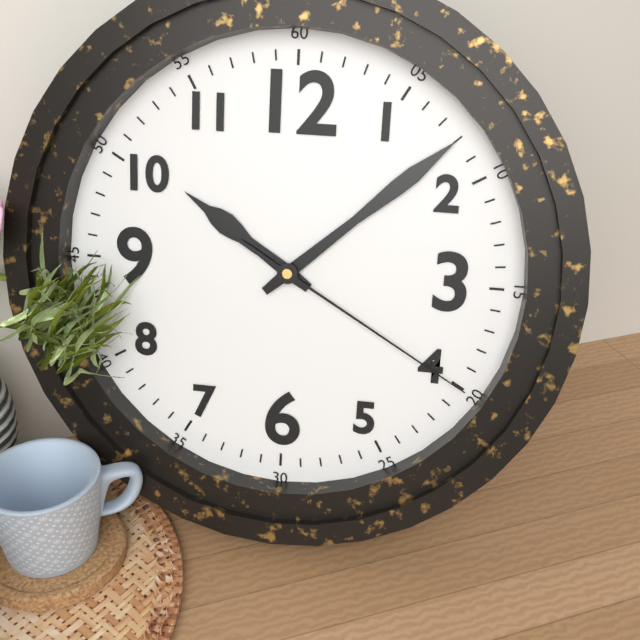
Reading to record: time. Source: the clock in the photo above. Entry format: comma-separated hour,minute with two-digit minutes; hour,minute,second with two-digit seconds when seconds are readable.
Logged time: 10,08,20
